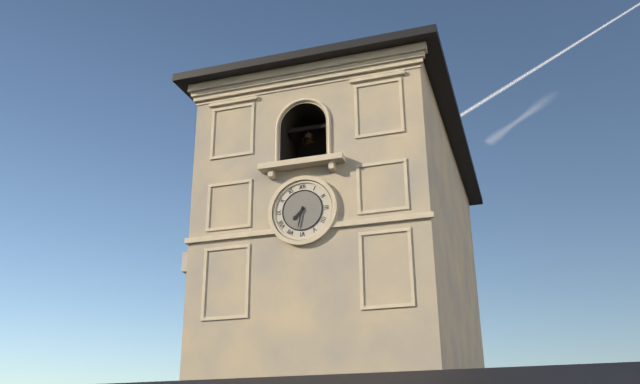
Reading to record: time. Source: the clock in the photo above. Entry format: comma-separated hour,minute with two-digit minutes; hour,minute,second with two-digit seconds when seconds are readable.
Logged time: 7,32
